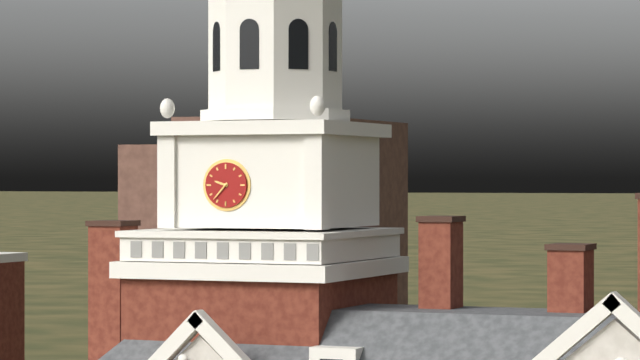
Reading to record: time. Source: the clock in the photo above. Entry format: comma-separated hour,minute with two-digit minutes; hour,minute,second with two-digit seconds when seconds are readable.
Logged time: 9,37
